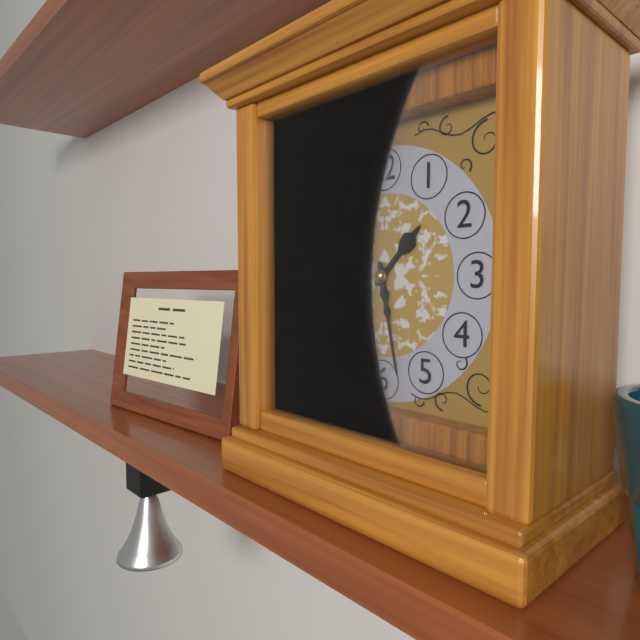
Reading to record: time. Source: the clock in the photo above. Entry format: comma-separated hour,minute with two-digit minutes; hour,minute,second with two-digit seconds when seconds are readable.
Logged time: 1,28
